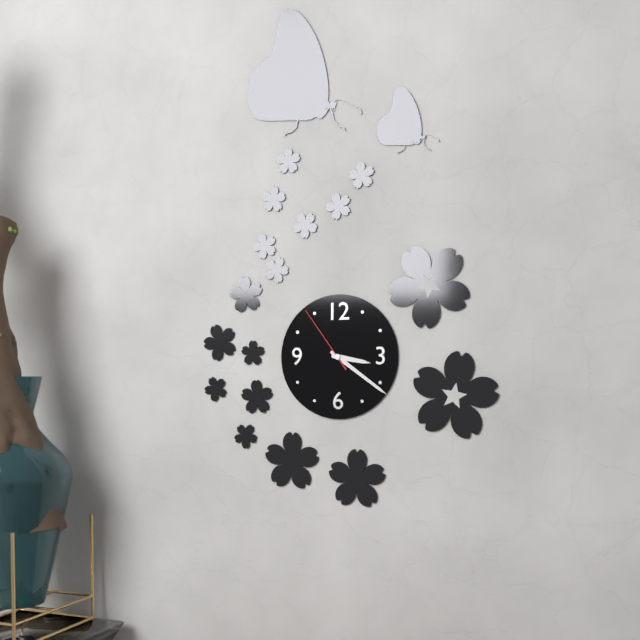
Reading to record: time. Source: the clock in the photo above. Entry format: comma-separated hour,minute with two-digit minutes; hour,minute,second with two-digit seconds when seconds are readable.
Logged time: 3,21,54
